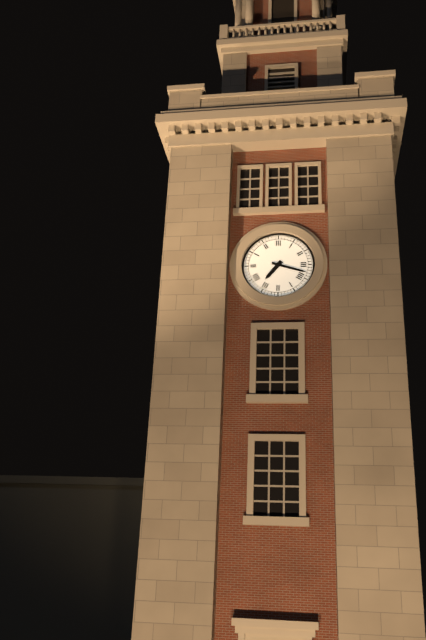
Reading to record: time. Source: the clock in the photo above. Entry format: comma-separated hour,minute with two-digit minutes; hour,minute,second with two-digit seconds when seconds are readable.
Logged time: 7,18
